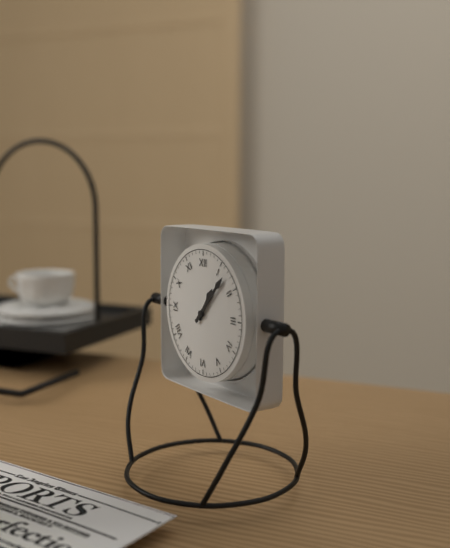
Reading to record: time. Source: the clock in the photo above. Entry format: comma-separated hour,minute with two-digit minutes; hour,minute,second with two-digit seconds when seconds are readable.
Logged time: 1,07
